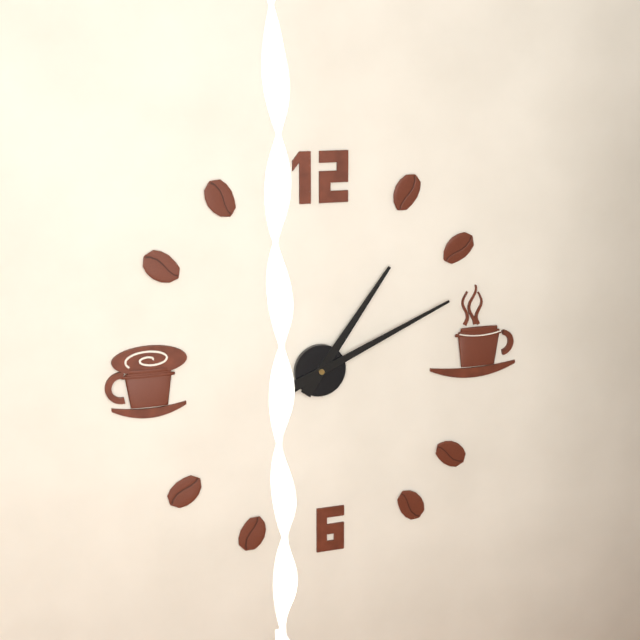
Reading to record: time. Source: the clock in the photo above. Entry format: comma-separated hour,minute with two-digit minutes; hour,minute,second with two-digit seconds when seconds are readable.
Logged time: 1,11
